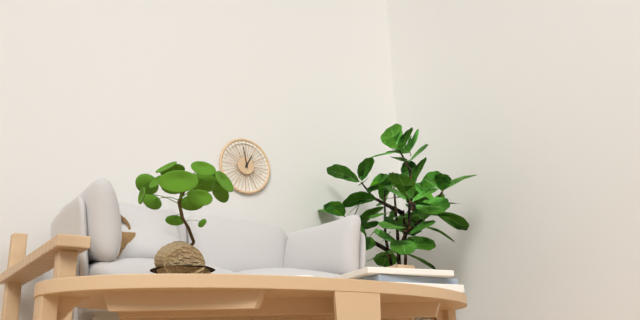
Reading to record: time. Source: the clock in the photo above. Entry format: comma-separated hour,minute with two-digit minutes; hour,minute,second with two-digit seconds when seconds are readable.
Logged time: 12,58
